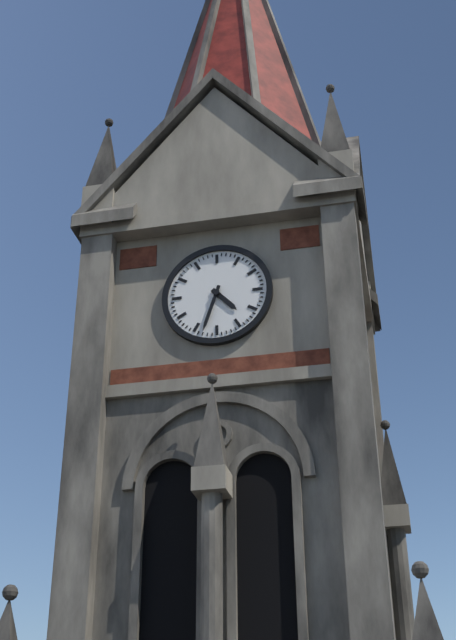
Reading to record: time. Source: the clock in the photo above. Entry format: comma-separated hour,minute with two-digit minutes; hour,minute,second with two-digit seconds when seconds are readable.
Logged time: 4,33
